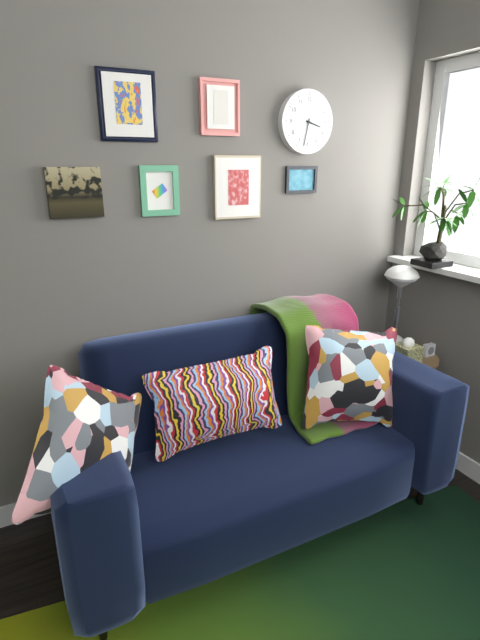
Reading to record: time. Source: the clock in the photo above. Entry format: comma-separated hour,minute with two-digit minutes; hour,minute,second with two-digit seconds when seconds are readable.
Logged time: 3,32
